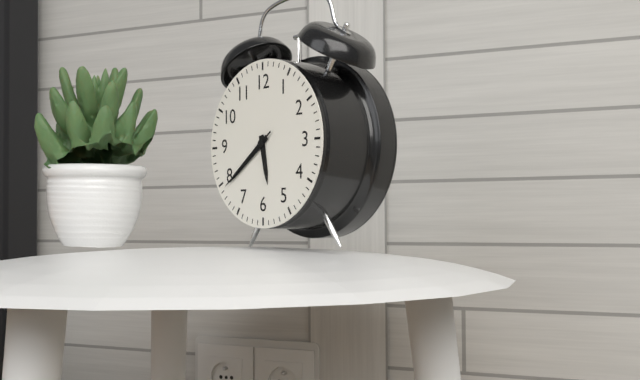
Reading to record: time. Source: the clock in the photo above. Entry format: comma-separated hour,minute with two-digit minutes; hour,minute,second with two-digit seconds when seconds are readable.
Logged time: 5,39,39
